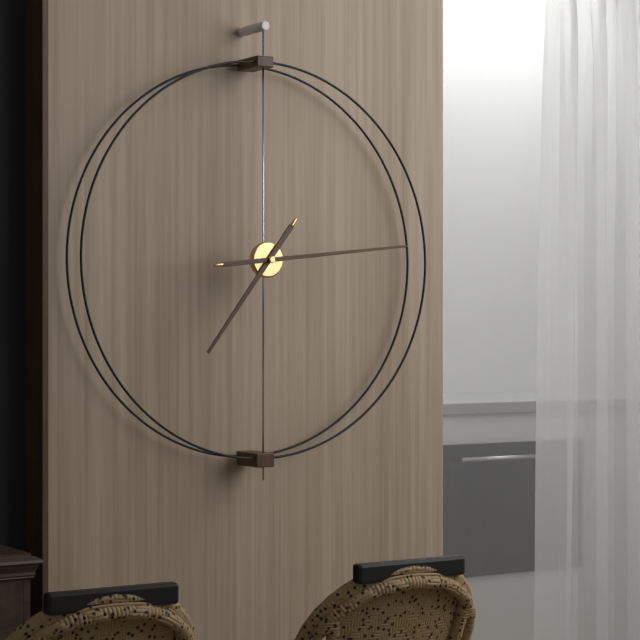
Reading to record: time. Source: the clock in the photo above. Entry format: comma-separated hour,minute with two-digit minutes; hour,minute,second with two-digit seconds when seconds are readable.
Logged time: 7,14
